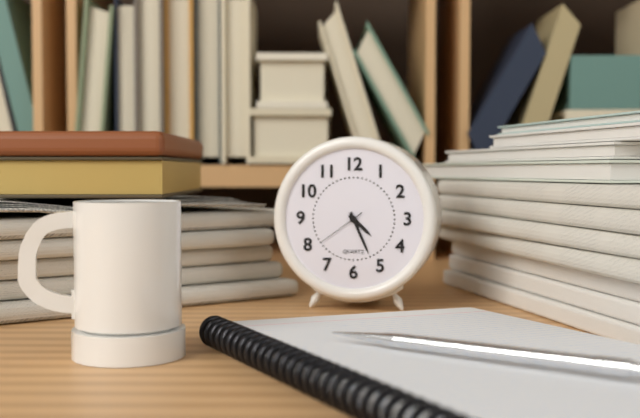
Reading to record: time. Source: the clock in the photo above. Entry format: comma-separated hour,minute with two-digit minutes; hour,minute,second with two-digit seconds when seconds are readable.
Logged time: 4,26,39
